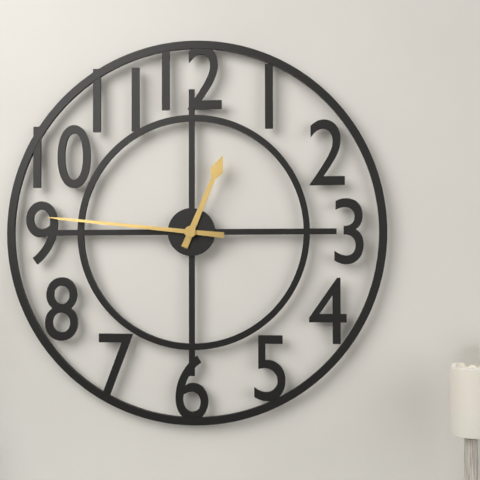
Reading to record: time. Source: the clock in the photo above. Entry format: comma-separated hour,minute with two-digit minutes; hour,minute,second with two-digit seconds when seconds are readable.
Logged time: 12,46
